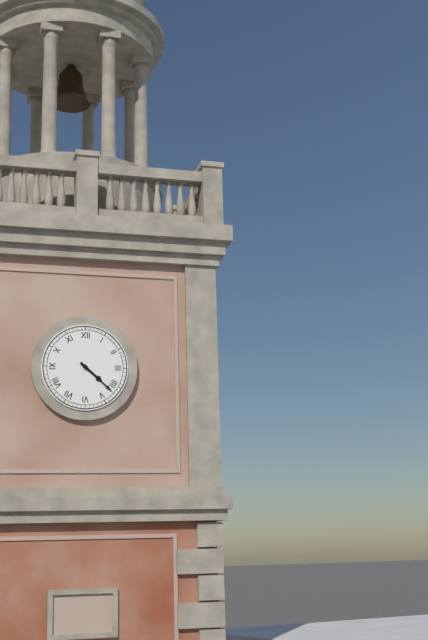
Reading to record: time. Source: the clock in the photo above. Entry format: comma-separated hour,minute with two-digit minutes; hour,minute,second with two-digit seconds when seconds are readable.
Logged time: 4,22
